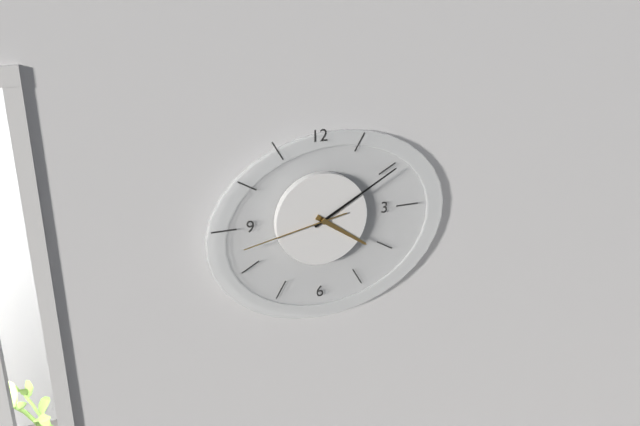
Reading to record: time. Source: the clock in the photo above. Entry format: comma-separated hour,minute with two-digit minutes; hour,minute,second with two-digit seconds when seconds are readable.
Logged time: 4,10,43
